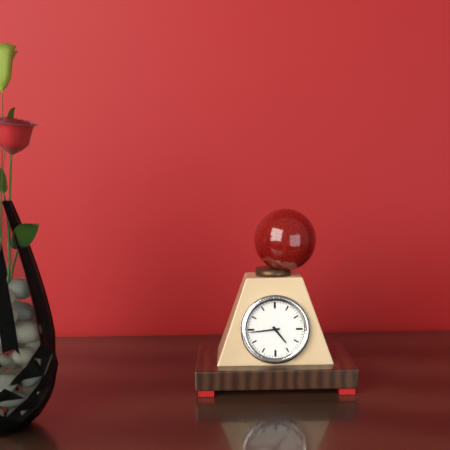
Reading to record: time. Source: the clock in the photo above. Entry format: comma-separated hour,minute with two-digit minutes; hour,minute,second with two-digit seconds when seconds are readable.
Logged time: 4,44
